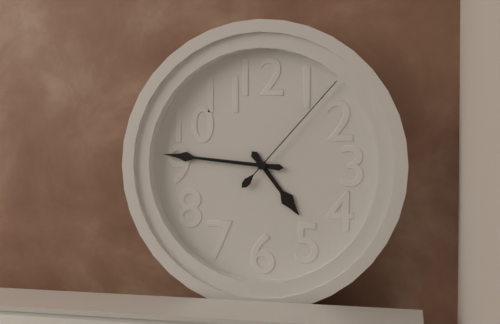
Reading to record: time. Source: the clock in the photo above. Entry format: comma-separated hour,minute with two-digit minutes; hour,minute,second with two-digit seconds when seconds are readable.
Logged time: 4,46,07
